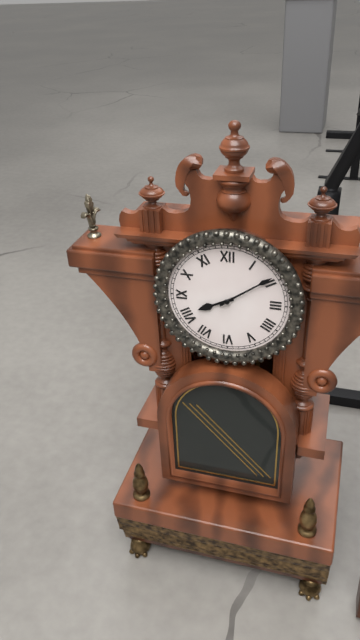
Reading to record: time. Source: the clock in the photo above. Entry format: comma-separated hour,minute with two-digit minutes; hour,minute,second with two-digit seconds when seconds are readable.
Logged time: 8,09
